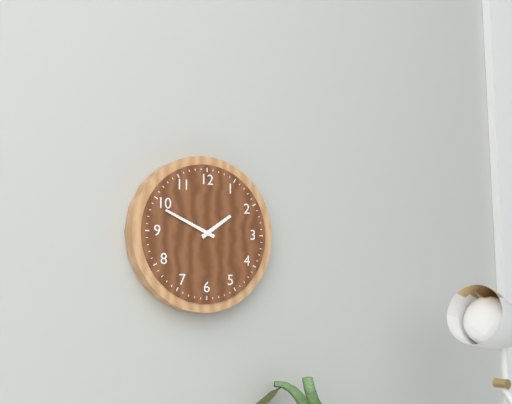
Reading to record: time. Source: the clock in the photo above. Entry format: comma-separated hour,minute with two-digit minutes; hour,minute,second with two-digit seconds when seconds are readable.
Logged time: 1,49
